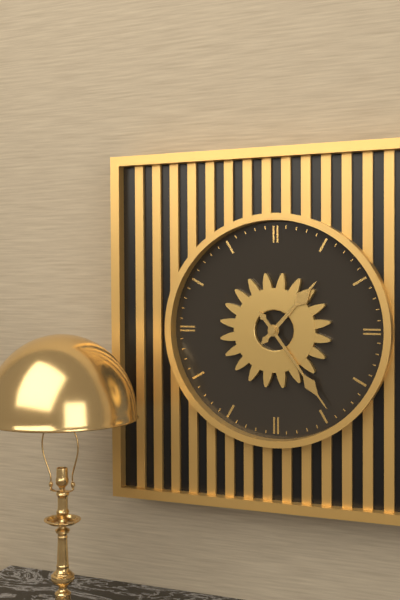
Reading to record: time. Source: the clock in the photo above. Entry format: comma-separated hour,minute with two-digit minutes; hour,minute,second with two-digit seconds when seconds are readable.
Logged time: 1,24
